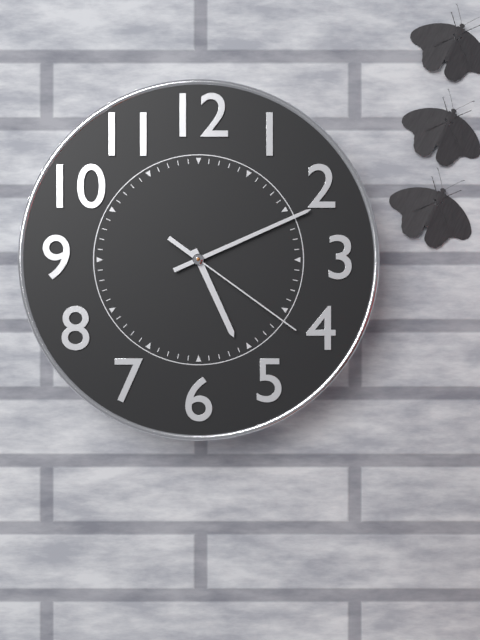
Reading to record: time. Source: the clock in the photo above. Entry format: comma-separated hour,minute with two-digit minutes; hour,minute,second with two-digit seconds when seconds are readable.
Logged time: 5,11,21
